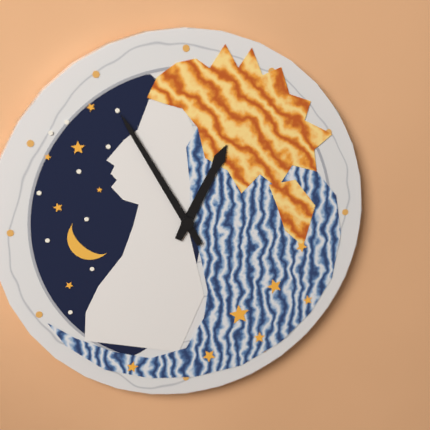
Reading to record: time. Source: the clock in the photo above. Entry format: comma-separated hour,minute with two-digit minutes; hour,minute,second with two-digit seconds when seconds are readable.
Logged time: 12,55
